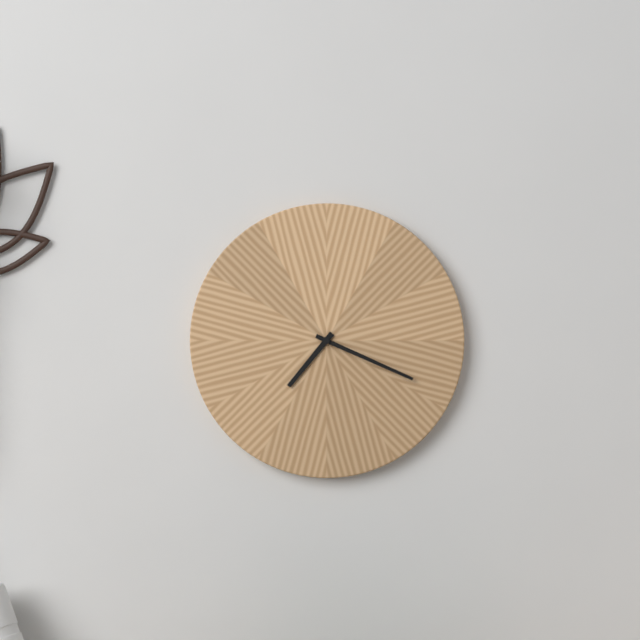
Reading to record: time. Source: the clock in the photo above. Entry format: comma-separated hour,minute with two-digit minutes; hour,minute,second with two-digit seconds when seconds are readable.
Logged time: 7,19
